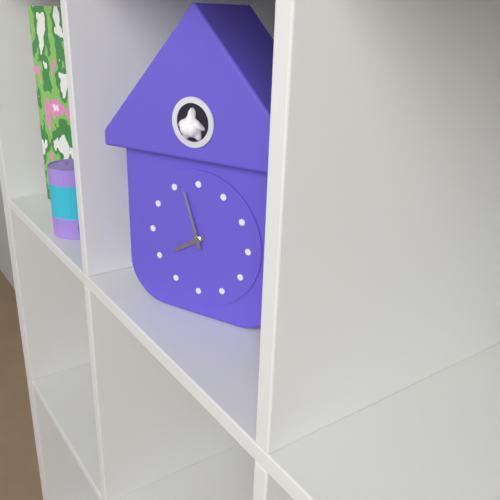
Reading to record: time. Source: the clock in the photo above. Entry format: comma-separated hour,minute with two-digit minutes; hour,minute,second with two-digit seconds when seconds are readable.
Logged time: 7,57
